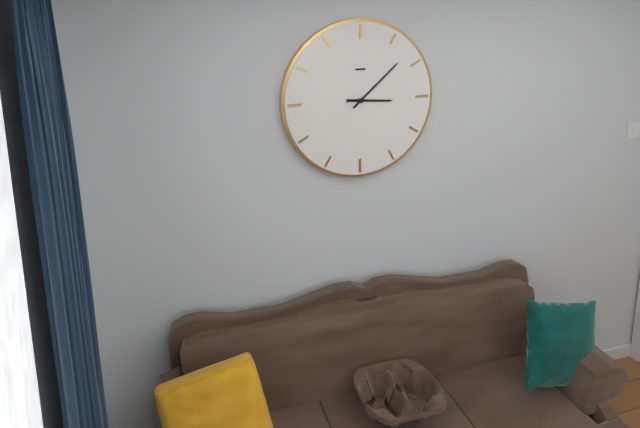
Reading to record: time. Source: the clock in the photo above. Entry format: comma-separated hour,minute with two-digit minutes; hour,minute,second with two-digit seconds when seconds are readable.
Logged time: 3,08
